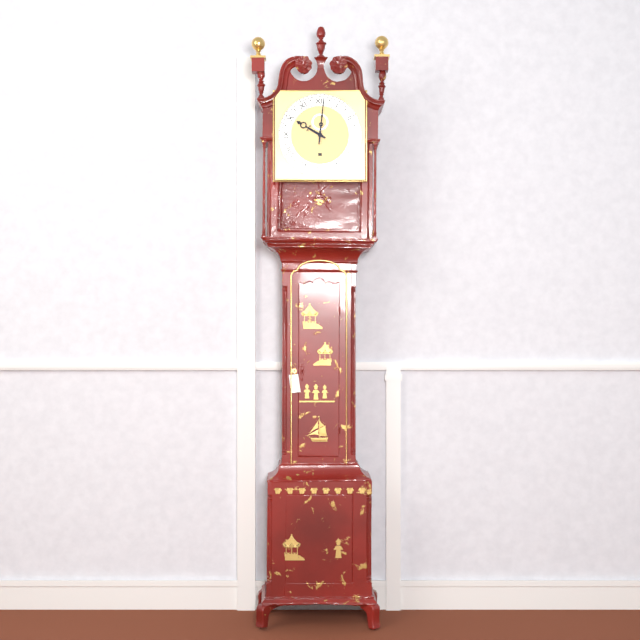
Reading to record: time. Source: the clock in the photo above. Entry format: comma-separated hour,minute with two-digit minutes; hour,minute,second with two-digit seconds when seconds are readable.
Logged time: 10,01
